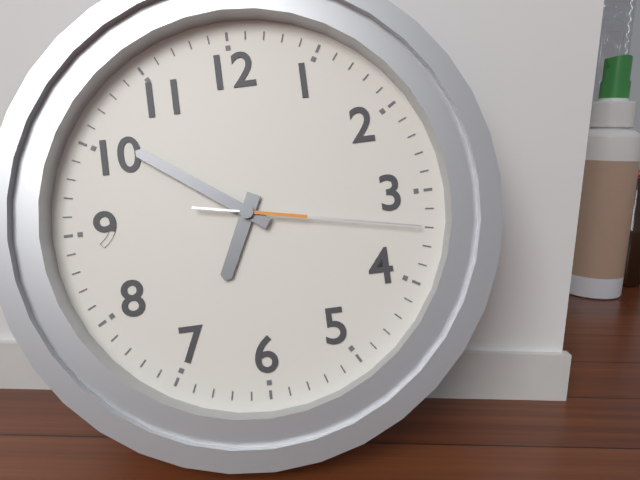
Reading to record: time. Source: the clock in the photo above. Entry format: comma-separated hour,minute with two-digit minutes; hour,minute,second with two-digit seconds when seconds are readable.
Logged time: 6,51,17
